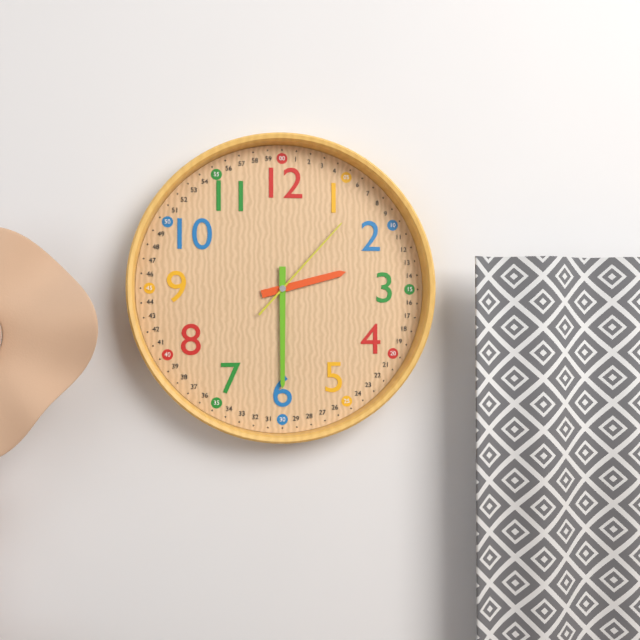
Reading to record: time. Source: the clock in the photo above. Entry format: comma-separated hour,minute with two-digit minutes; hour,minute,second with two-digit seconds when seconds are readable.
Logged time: 2,30,07
